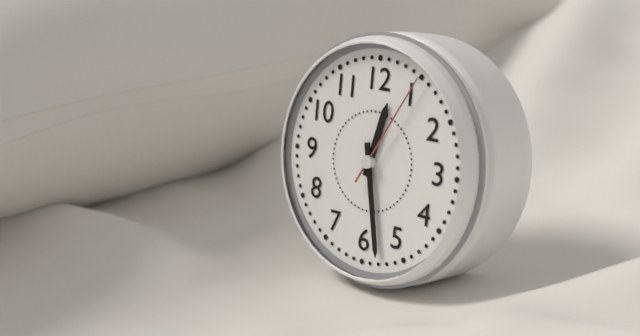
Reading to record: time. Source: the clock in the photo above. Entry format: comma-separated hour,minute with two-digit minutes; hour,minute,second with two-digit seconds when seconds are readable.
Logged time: 12,28,05
